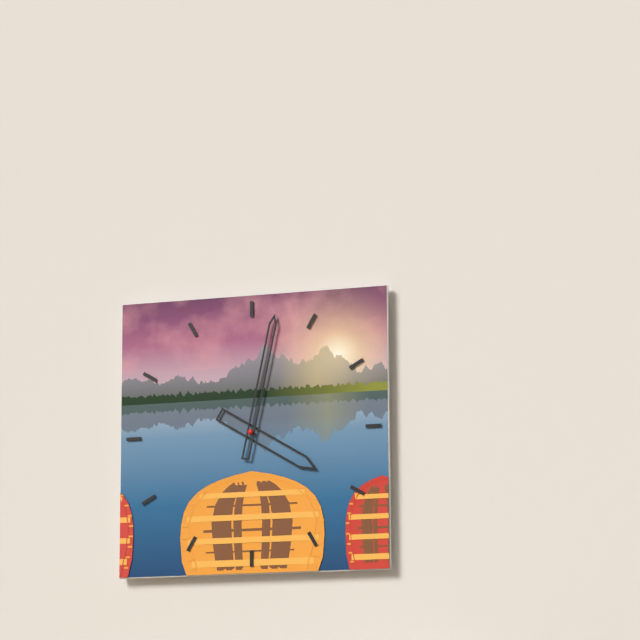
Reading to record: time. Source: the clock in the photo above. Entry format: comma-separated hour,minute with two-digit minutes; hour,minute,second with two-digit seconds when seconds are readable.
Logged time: 4,02
